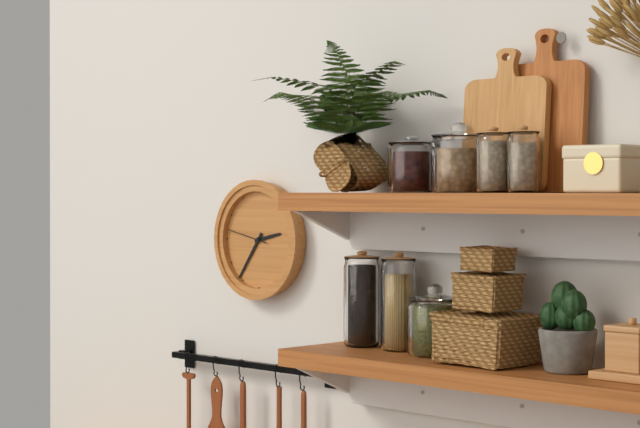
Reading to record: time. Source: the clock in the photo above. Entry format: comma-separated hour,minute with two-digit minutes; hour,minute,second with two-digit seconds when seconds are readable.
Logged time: 2,36
